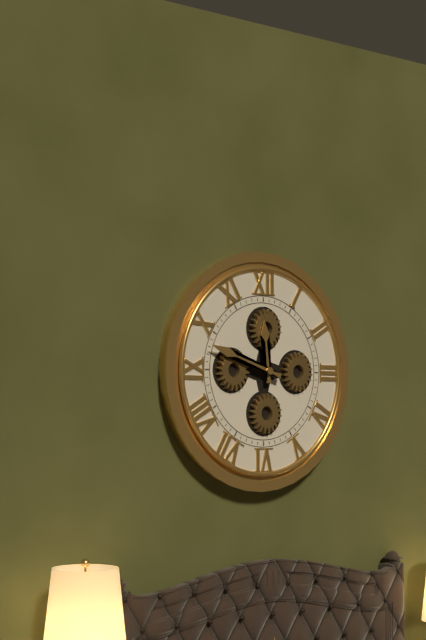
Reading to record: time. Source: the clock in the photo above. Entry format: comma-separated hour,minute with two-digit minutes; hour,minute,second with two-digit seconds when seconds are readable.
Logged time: 11,48
